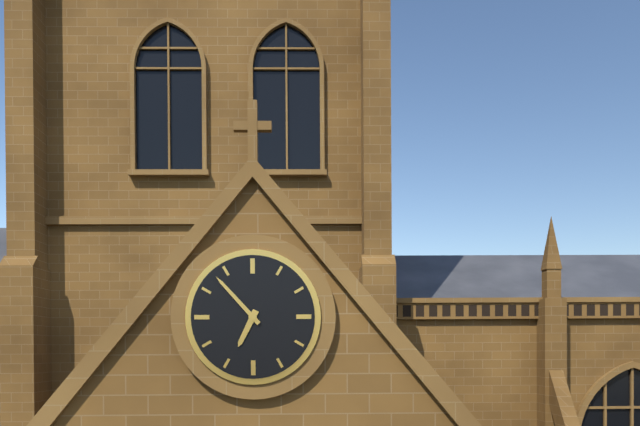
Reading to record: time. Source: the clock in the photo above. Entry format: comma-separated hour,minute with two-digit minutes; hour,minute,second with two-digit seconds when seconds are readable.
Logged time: 6,53
